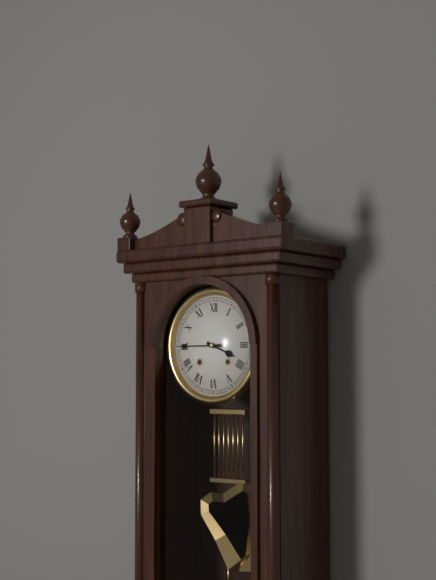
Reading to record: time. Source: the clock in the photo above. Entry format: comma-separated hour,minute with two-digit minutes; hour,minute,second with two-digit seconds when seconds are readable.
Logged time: 3,45
